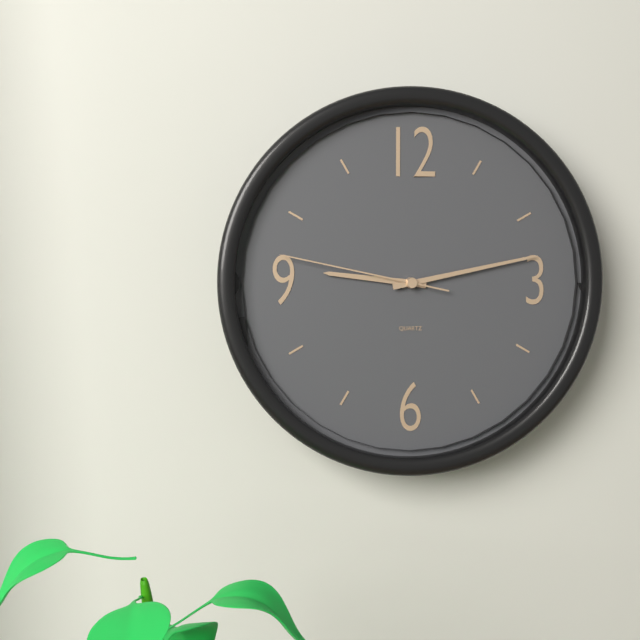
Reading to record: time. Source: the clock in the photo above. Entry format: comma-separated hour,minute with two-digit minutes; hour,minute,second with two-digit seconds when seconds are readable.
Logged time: 9,13,47
